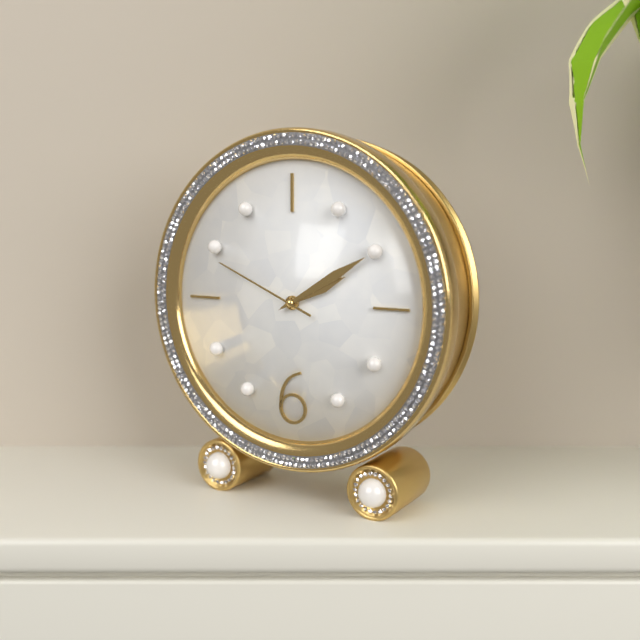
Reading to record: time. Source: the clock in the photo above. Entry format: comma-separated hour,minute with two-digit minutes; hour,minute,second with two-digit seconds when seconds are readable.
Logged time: 2,10,49
